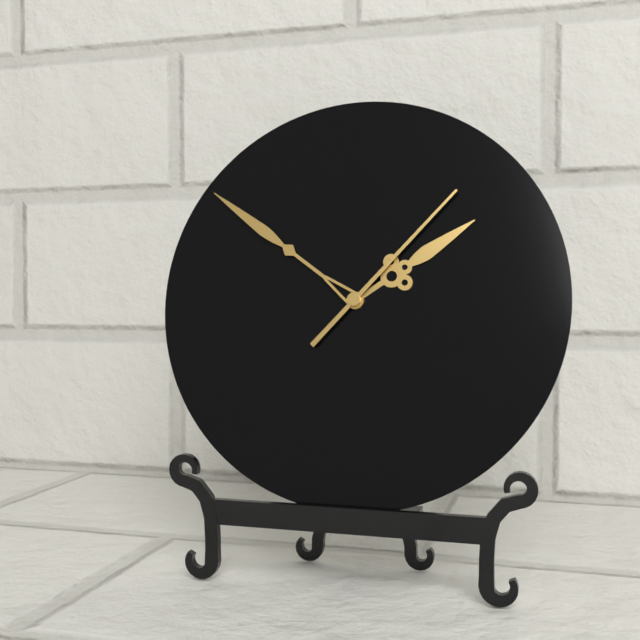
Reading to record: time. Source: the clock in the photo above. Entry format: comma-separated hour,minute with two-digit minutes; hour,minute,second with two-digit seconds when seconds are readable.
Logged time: 1,51,07
